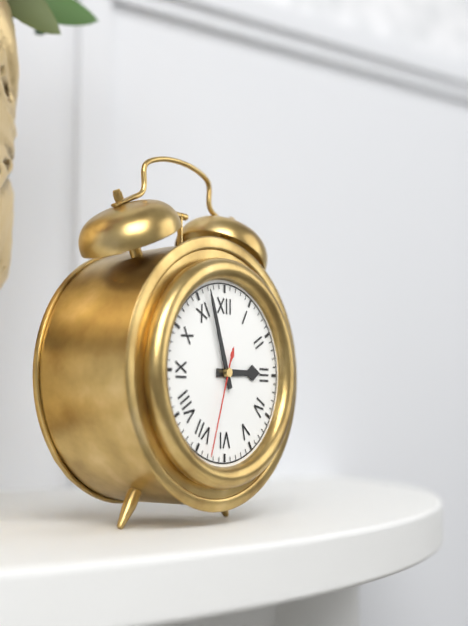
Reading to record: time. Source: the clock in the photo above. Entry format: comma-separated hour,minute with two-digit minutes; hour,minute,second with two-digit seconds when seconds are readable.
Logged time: 2,57,33
